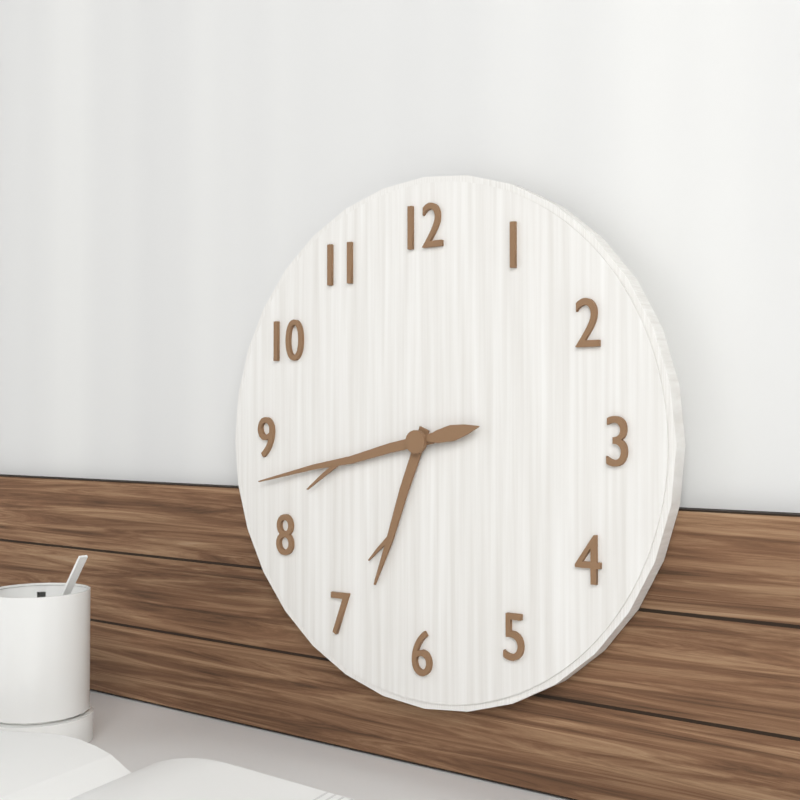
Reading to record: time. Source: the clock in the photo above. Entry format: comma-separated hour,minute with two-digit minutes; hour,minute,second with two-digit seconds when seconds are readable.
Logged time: 6,43,13
